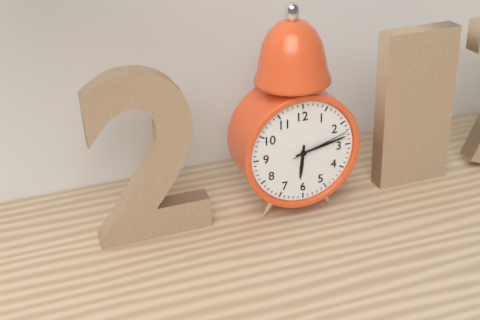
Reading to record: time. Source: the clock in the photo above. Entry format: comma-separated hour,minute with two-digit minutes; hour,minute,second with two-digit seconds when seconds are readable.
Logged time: 6,13,12
